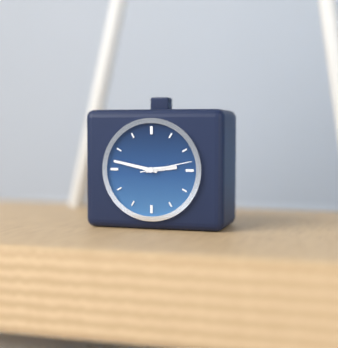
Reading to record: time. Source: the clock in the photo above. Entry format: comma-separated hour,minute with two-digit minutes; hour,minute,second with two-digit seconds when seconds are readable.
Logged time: 2,47,13
